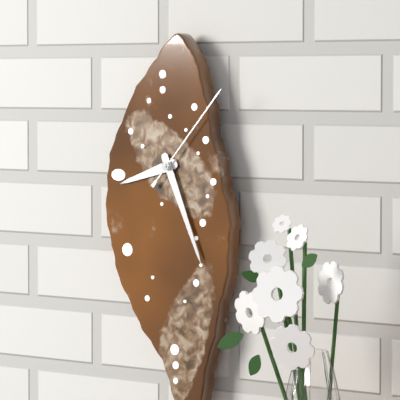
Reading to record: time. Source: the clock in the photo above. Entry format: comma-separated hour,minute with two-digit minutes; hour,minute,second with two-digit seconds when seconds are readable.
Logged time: 8,26,07
